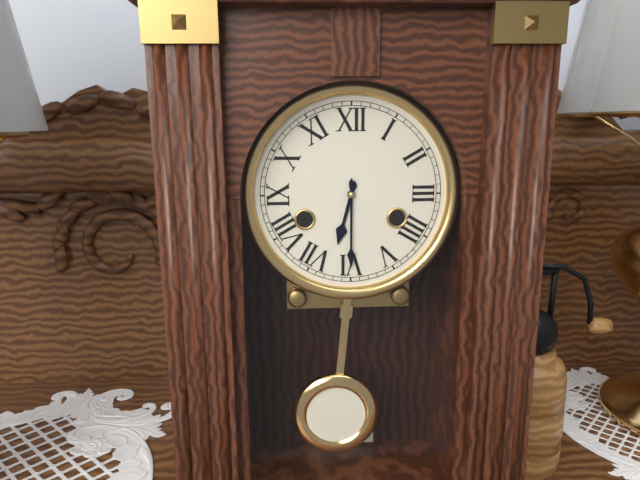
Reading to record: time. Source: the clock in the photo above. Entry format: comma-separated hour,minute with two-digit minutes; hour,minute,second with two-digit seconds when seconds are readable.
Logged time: 6,30
